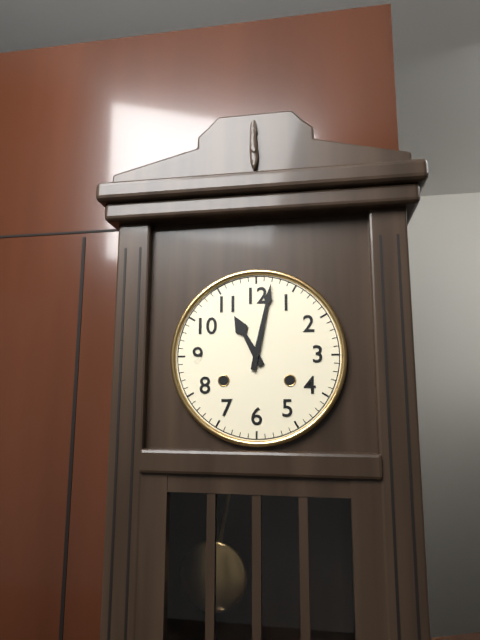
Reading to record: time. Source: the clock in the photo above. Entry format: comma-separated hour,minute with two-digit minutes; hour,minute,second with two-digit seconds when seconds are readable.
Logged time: 11,02
